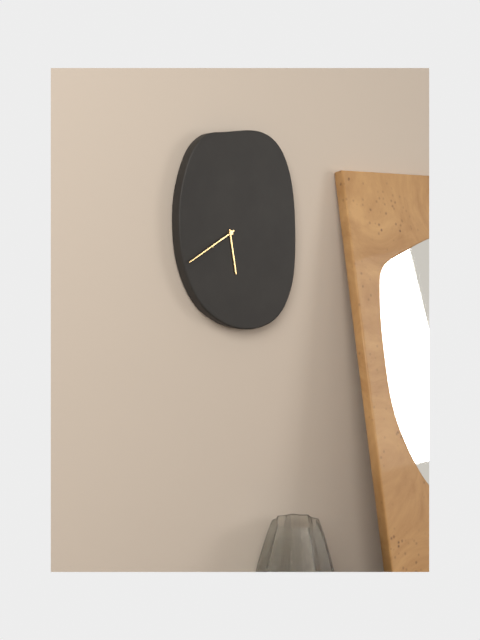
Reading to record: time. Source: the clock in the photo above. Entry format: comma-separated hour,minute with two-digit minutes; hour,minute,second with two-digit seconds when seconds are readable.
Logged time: 5,40
